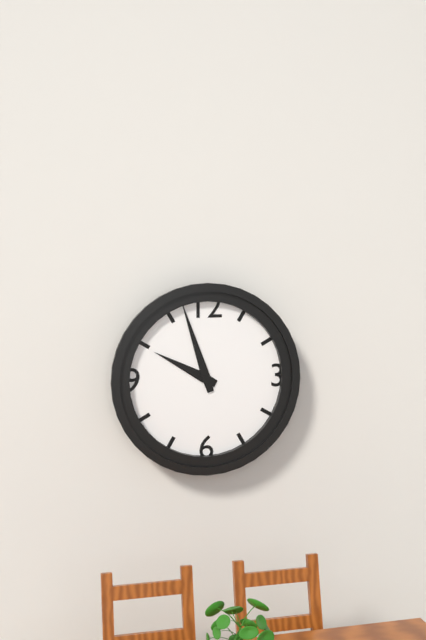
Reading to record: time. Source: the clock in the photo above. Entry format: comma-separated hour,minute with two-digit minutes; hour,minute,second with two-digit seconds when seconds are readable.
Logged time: 9,57
